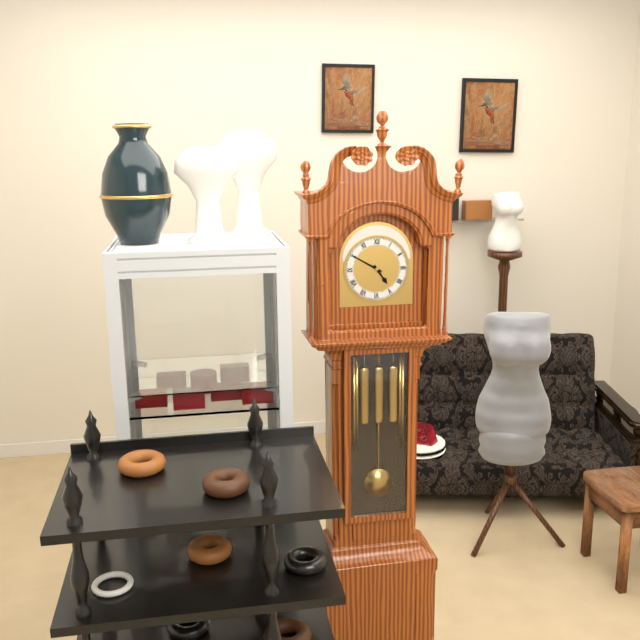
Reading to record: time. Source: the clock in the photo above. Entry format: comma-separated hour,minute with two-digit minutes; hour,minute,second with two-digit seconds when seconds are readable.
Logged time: 4,50
